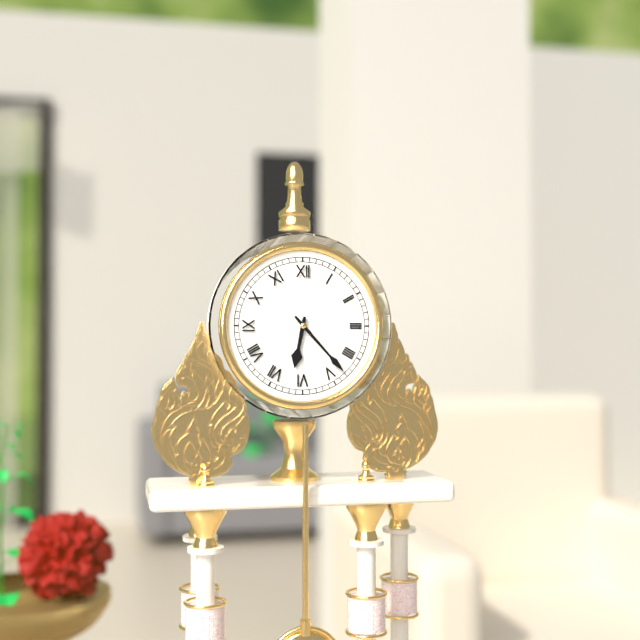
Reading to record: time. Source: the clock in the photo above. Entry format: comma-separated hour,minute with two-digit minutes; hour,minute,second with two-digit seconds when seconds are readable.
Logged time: 6,23
